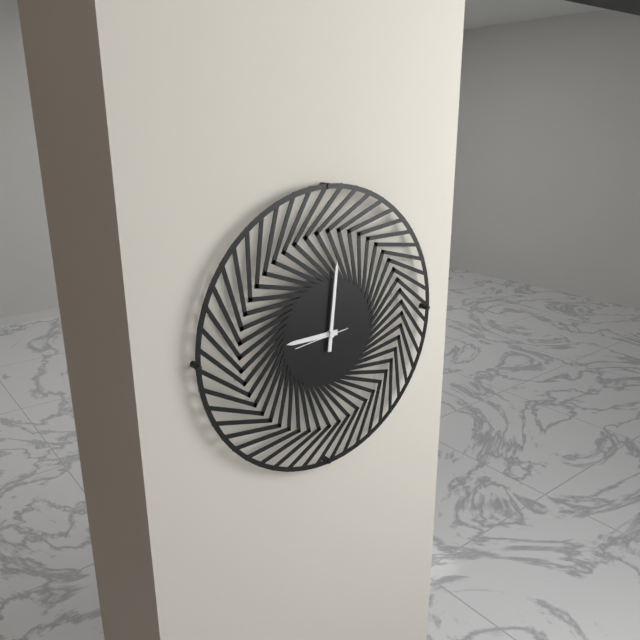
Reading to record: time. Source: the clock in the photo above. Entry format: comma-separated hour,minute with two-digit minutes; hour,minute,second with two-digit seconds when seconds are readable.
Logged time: 9,01
